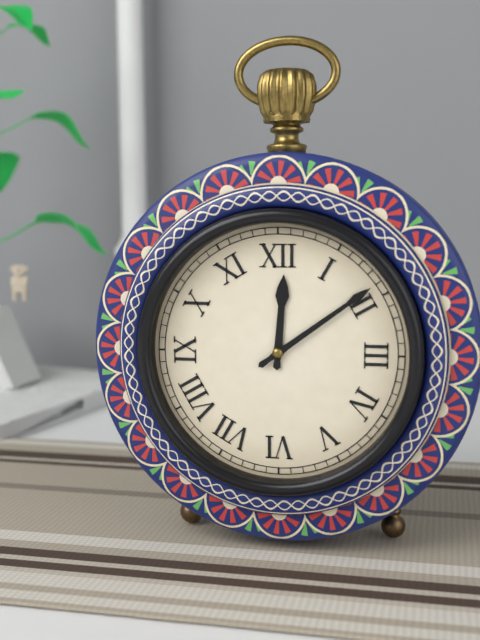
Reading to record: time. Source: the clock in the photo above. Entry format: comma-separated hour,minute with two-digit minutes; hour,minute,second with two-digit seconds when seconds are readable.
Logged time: 12,09
